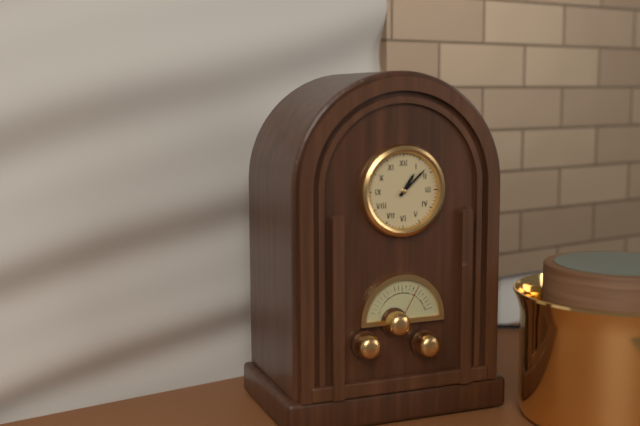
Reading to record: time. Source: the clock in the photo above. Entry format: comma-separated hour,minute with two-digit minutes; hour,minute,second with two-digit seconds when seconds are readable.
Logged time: 1,08
